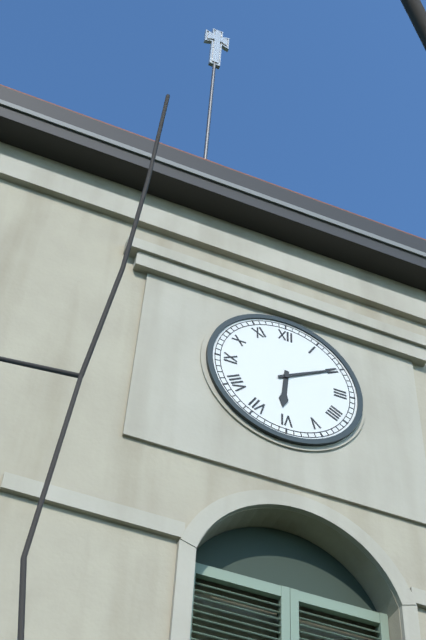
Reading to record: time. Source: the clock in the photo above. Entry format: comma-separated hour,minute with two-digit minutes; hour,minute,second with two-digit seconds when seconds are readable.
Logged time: 6,10
